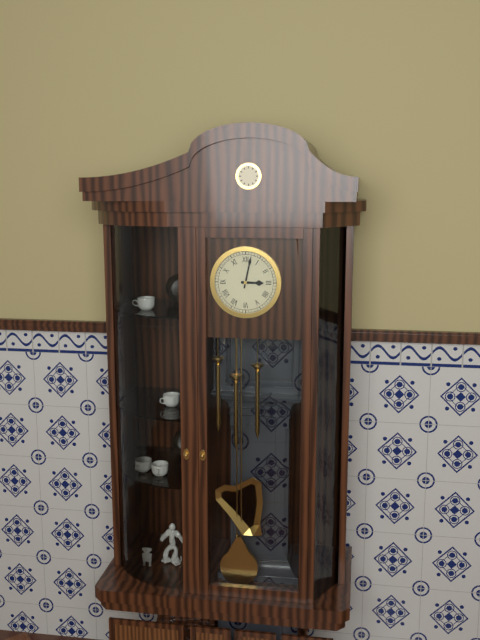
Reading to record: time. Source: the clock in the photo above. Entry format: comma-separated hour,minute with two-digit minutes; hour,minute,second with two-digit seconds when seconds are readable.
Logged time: 3,02
